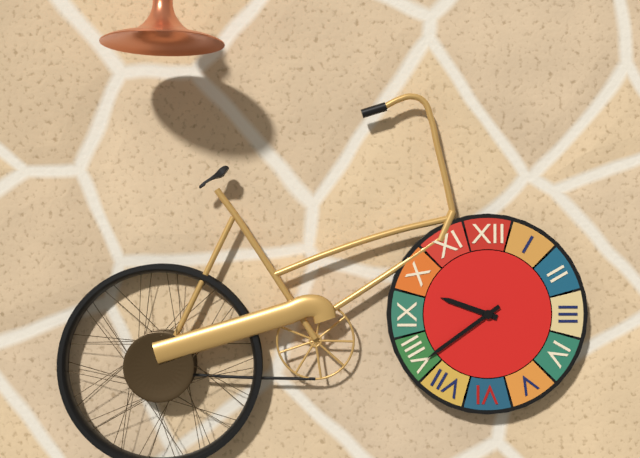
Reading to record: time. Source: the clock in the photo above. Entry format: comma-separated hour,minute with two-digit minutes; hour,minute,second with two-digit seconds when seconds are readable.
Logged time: 9,39
